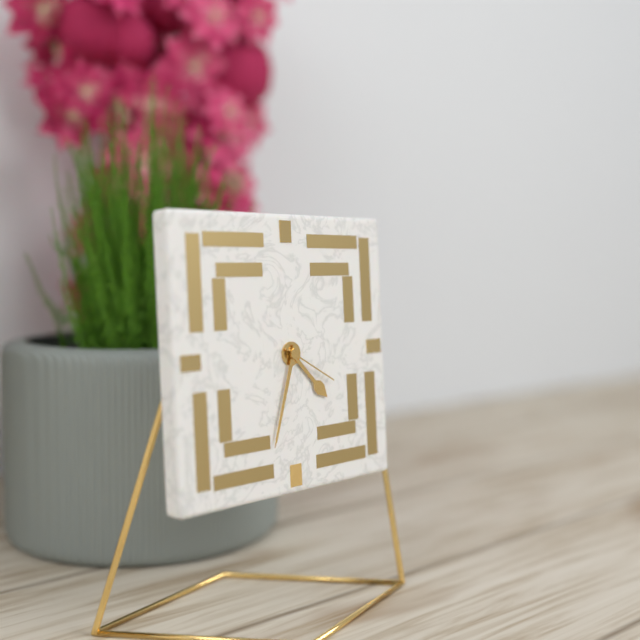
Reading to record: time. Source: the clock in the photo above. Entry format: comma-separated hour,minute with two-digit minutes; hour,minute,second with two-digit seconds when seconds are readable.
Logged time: 4,33,20
